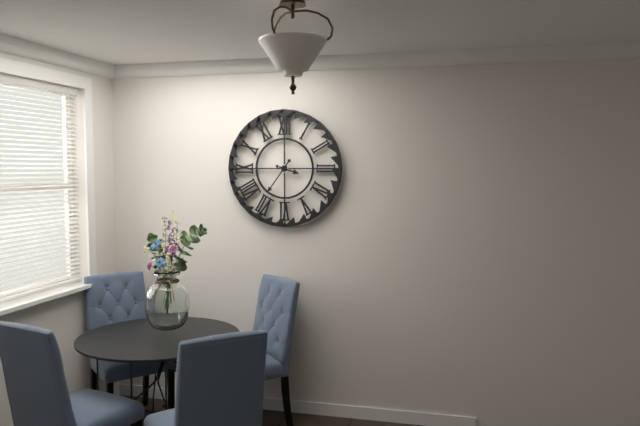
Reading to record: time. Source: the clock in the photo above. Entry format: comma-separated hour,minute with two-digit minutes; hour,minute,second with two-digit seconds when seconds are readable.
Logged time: 3,36
